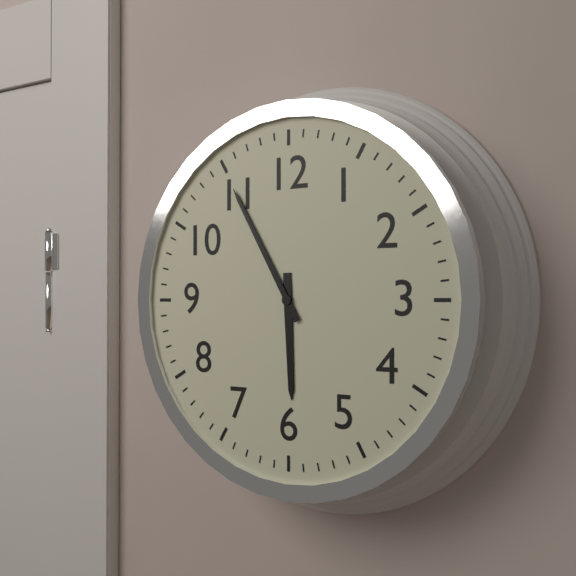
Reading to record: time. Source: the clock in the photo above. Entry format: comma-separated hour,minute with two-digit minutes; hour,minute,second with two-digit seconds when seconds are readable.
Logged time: 5,55
